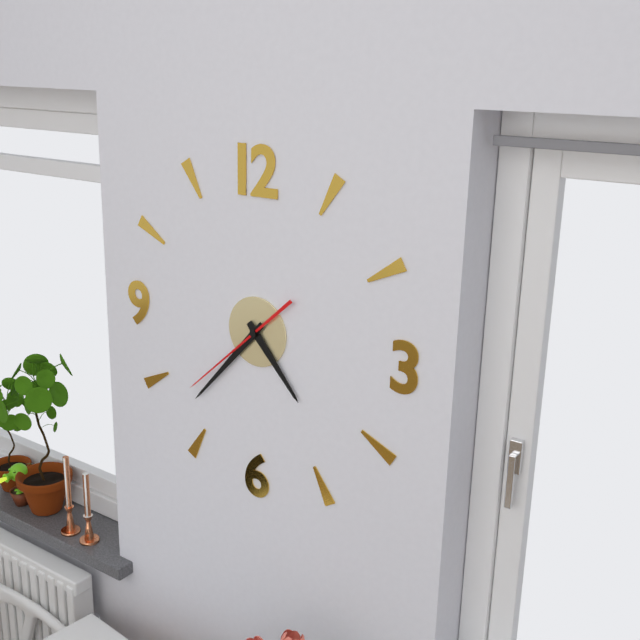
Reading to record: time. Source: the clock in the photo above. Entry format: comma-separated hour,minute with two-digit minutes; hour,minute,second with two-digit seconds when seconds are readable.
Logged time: 4,37,38
